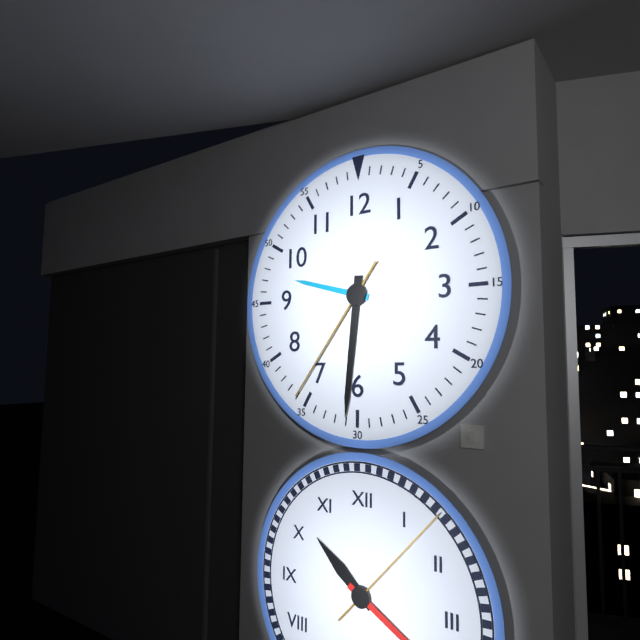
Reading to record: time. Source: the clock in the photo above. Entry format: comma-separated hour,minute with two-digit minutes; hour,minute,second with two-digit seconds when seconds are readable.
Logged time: 9,31,36
